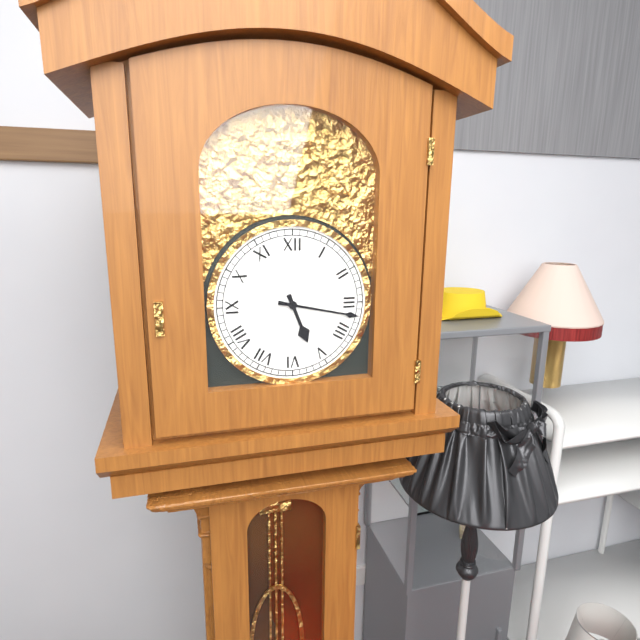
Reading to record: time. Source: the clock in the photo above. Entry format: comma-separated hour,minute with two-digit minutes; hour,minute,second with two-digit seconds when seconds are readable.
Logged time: 5,17
